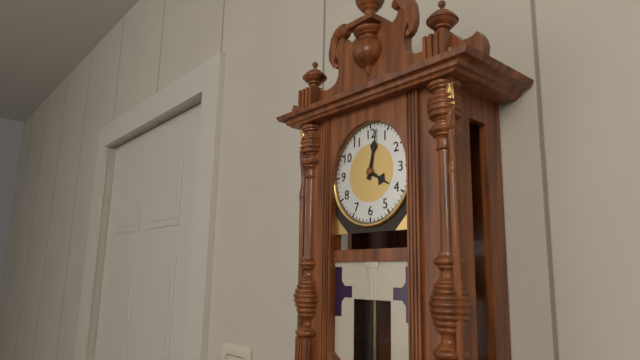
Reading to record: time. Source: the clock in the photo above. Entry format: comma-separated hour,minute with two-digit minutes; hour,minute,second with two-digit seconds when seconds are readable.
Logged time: 4,02
